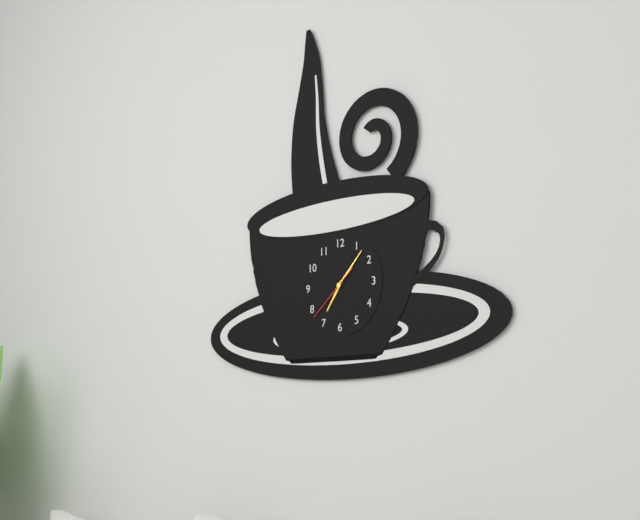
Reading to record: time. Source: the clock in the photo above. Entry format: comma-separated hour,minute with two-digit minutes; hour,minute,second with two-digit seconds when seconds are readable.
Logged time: 7,07,38
